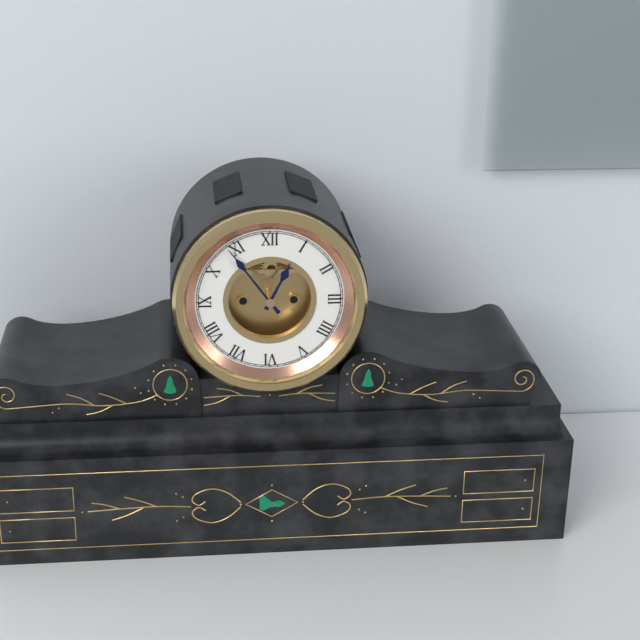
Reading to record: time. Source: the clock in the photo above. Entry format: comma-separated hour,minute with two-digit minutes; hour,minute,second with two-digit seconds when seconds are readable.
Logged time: 12,54
